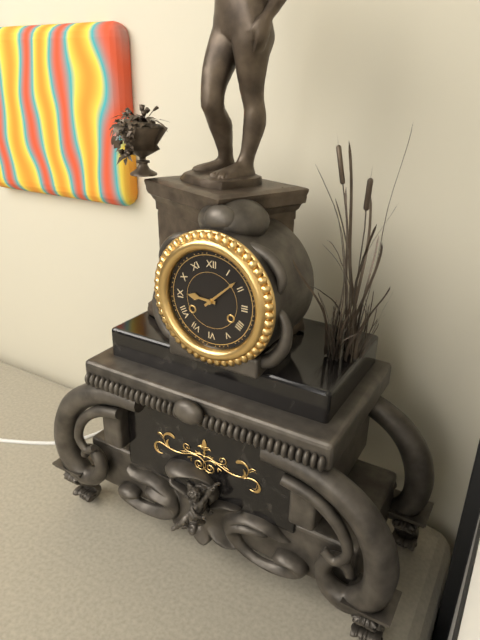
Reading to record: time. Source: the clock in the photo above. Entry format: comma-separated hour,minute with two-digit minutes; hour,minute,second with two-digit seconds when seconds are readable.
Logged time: 9,08
